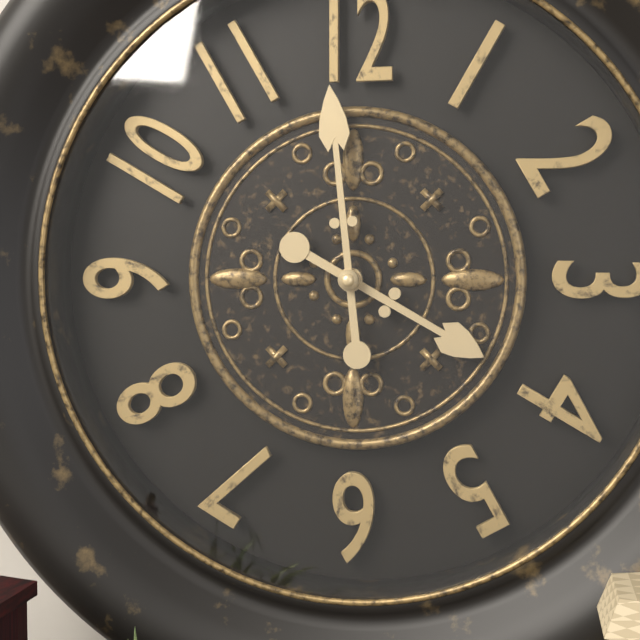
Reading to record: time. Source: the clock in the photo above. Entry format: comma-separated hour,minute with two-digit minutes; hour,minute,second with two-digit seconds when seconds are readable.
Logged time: 3,59
